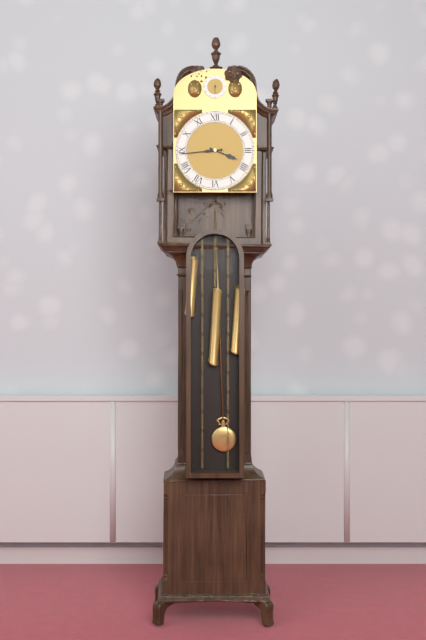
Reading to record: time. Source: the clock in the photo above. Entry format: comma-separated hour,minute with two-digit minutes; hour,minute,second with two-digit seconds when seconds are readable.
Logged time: 3,44
